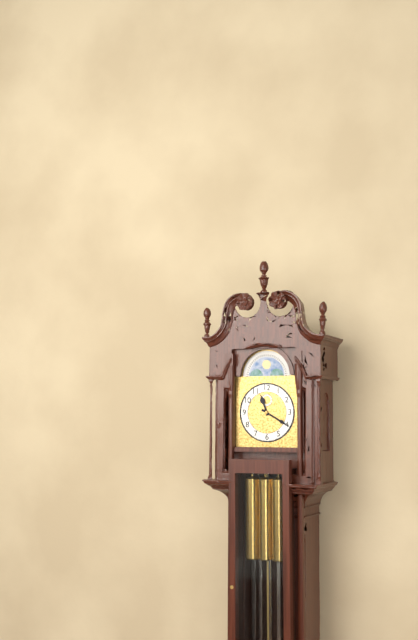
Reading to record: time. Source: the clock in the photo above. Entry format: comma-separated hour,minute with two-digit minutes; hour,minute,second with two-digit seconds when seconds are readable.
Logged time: 11,20
